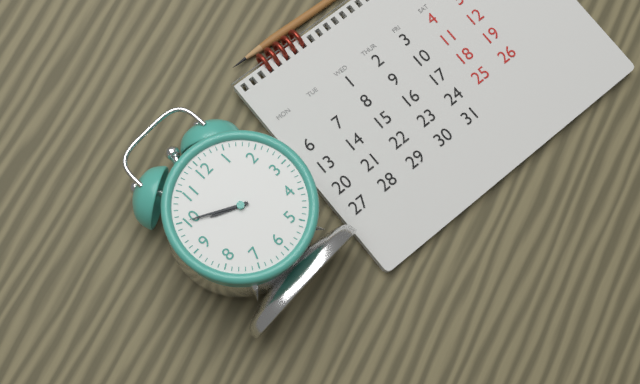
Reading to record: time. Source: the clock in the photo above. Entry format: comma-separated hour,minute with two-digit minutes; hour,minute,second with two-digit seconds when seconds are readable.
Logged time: 9,50
